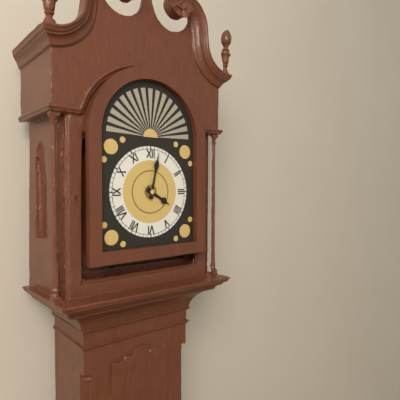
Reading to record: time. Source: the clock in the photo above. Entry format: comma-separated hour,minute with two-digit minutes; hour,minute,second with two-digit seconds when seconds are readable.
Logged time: 4,02
